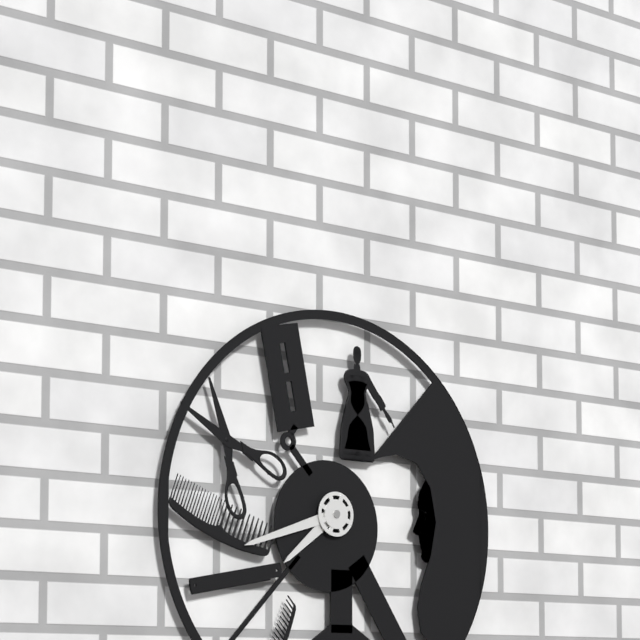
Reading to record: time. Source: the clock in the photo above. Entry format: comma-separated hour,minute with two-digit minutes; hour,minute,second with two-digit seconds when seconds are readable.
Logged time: 7,42
